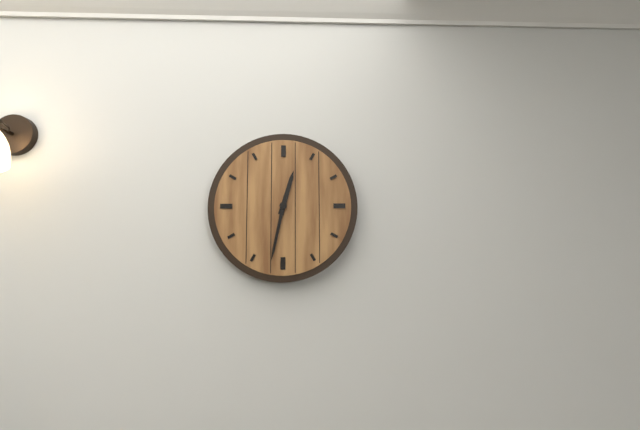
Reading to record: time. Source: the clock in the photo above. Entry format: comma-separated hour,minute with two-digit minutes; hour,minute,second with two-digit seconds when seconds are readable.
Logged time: 12,32
